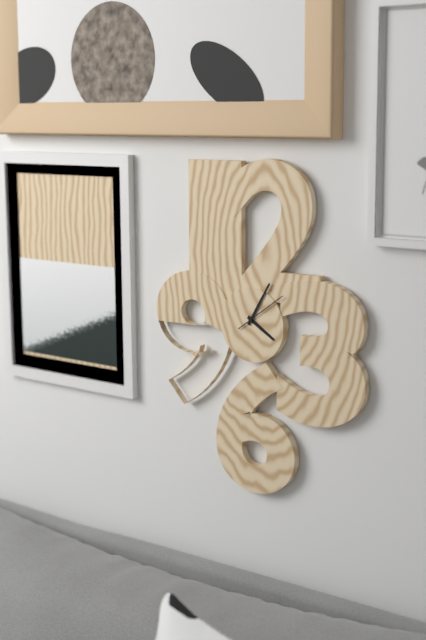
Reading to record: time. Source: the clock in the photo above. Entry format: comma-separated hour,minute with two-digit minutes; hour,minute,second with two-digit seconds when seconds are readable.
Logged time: 4,05,09
